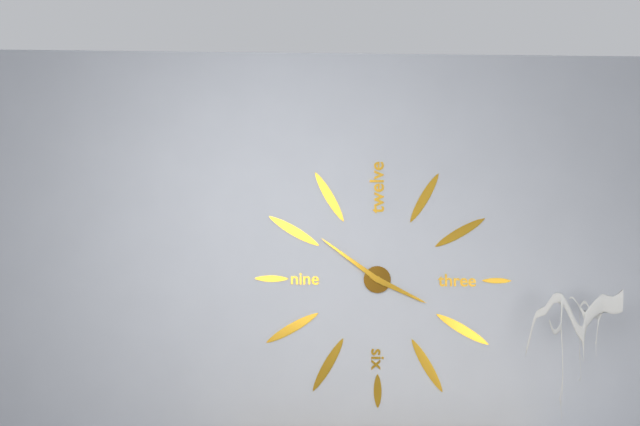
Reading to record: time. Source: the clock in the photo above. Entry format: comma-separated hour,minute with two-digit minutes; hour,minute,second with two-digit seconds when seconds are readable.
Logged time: 3,51
